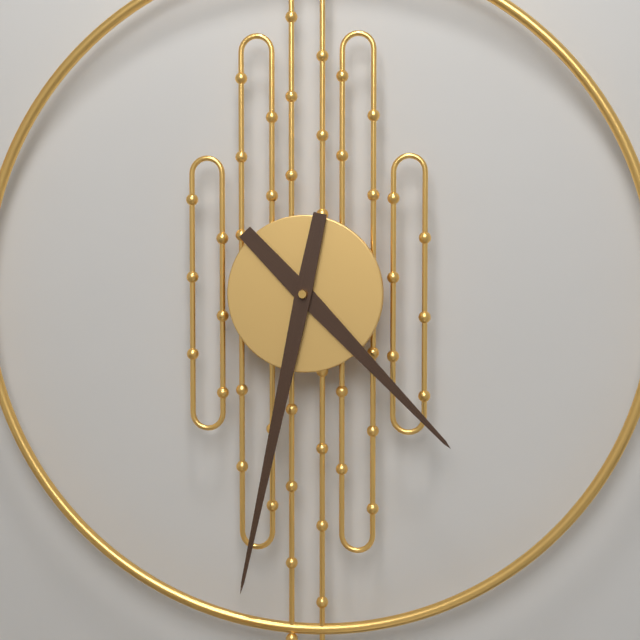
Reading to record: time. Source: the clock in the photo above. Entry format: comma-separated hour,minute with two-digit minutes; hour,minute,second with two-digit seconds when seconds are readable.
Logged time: 4,32
